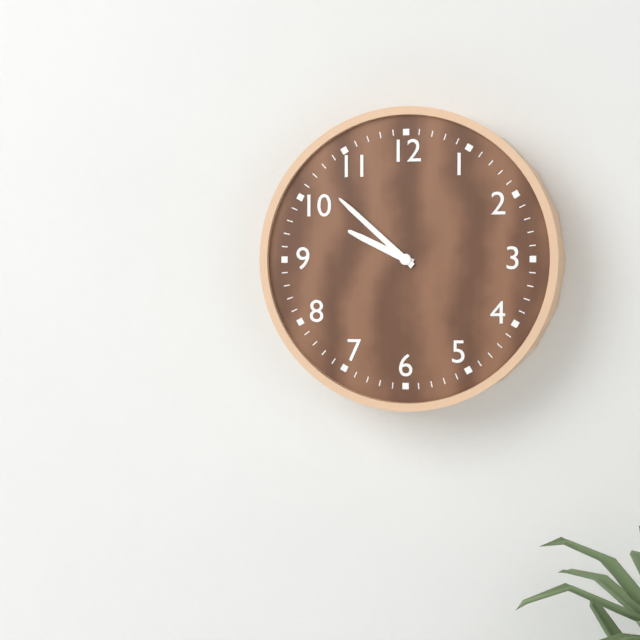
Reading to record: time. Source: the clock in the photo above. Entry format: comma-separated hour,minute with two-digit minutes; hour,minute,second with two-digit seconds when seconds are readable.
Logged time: 9,52
